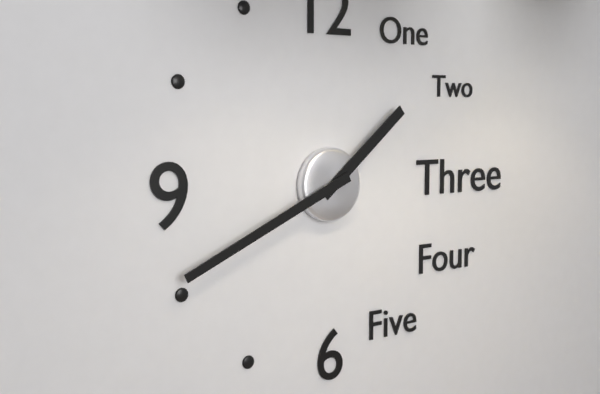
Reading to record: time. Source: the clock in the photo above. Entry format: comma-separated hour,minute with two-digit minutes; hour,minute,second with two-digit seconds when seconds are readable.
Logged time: 1,41
